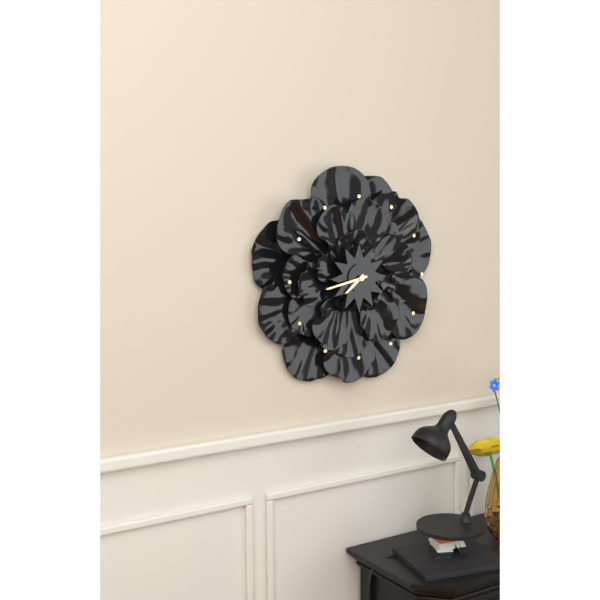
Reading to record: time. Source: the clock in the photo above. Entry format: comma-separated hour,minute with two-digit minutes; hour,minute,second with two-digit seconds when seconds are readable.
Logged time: 7,43
